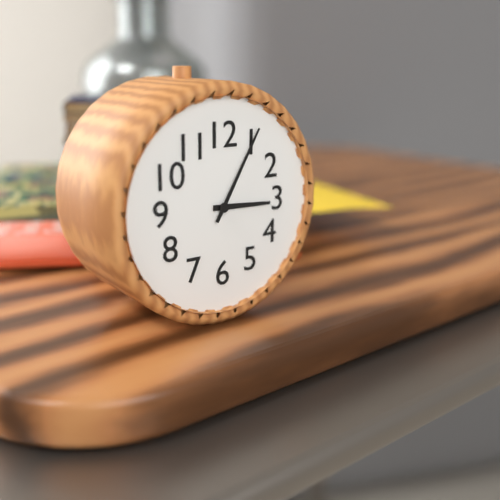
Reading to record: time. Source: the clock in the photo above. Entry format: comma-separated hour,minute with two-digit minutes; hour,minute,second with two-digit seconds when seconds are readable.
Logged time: 3,05
